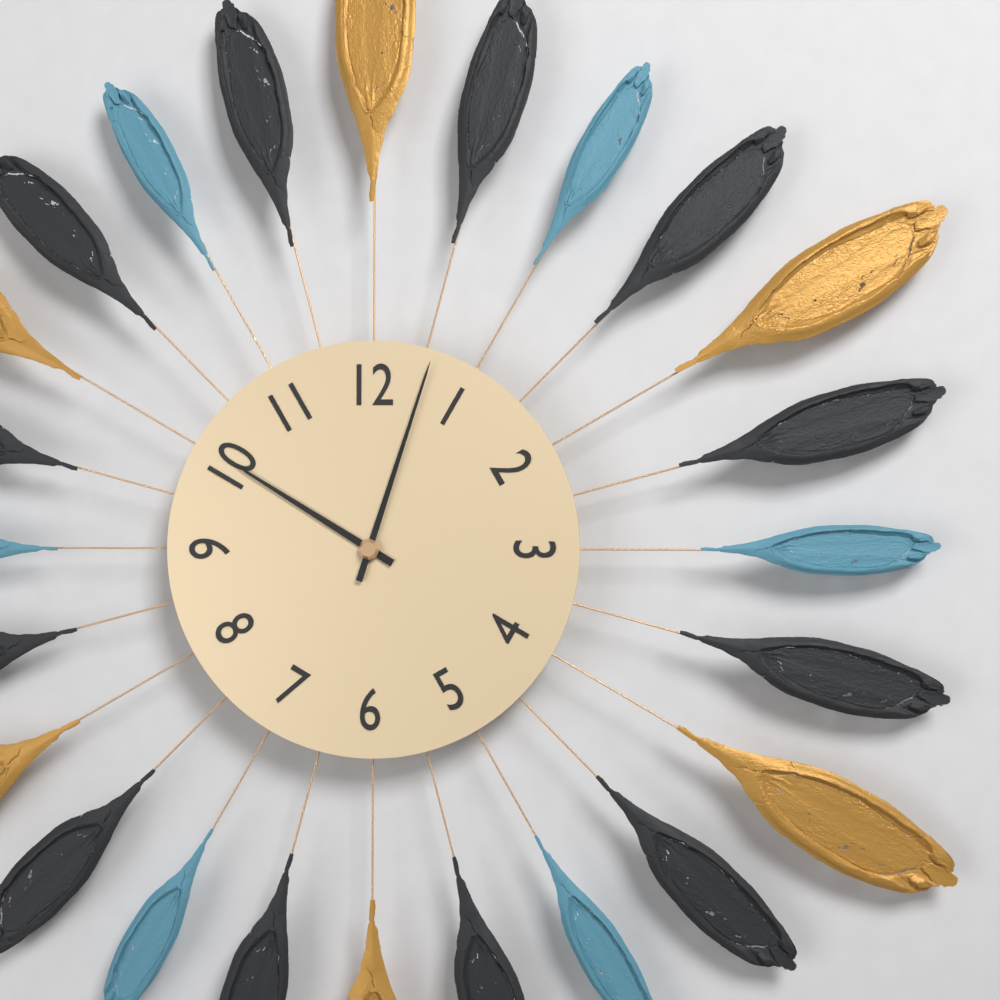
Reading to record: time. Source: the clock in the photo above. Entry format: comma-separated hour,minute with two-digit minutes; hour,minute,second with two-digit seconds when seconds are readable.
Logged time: 10,03
